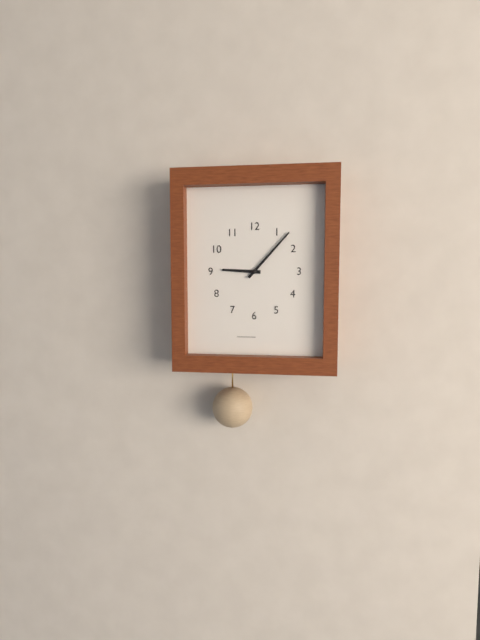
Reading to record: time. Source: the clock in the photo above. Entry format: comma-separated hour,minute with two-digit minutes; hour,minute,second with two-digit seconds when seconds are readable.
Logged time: 9,07
